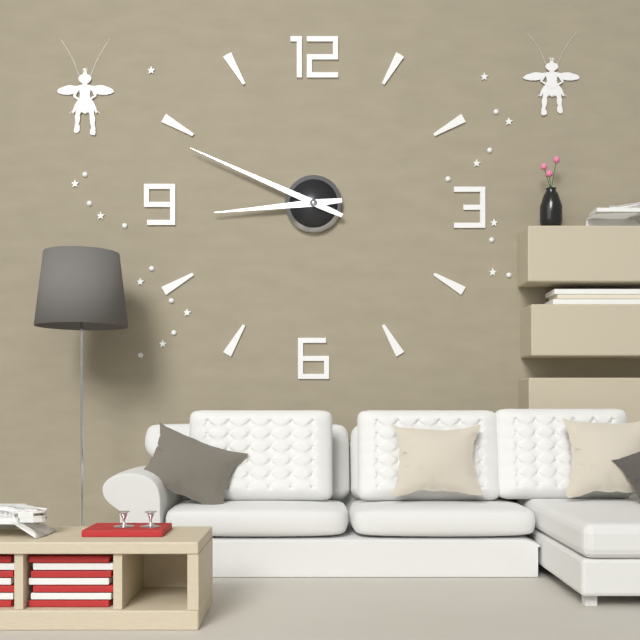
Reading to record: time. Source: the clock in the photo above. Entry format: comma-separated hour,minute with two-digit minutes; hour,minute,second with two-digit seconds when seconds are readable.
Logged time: 8,49
